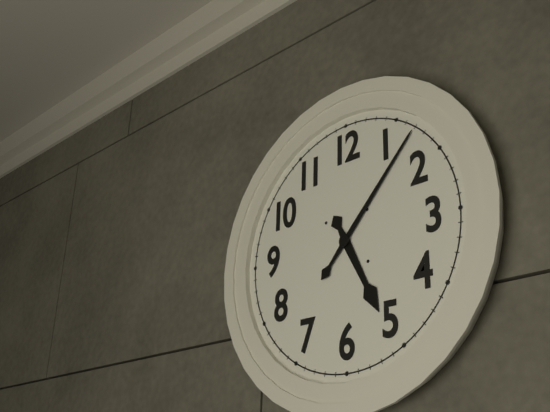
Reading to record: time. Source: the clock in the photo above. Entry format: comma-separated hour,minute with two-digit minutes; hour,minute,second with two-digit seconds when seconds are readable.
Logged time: 5,07
